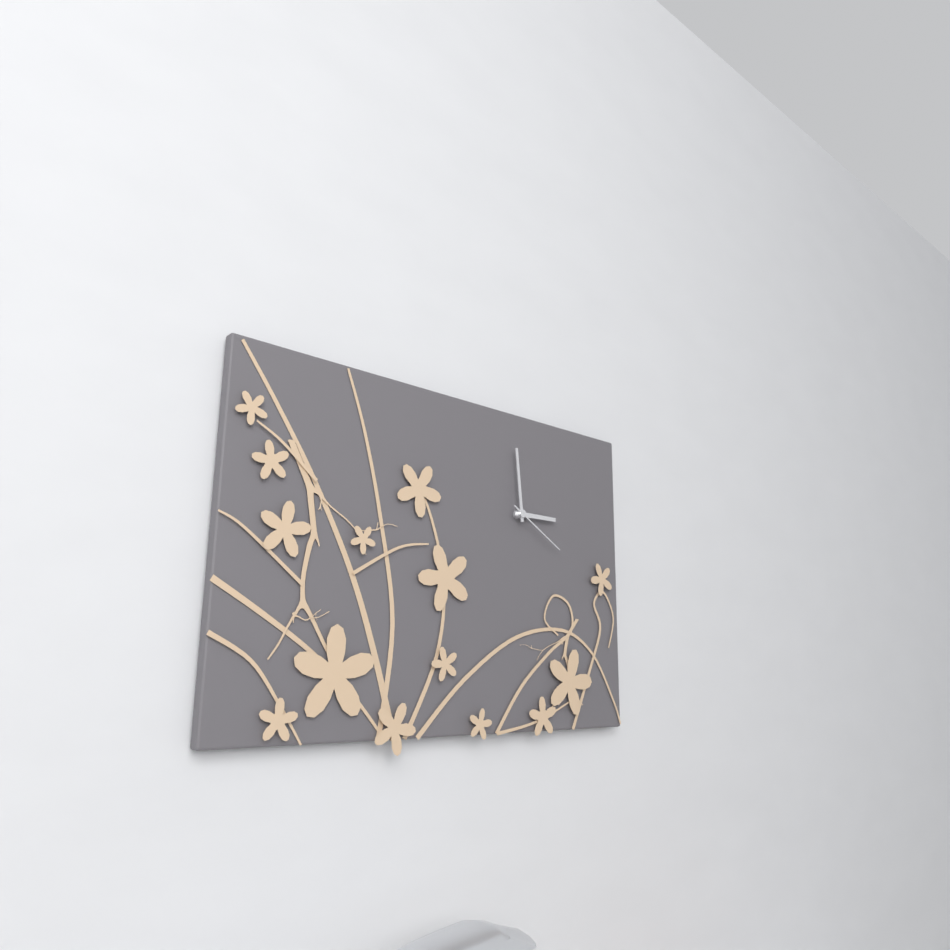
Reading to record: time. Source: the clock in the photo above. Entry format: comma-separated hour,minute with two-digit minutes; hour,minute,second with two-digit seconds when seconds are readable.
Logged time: 2,59,20
